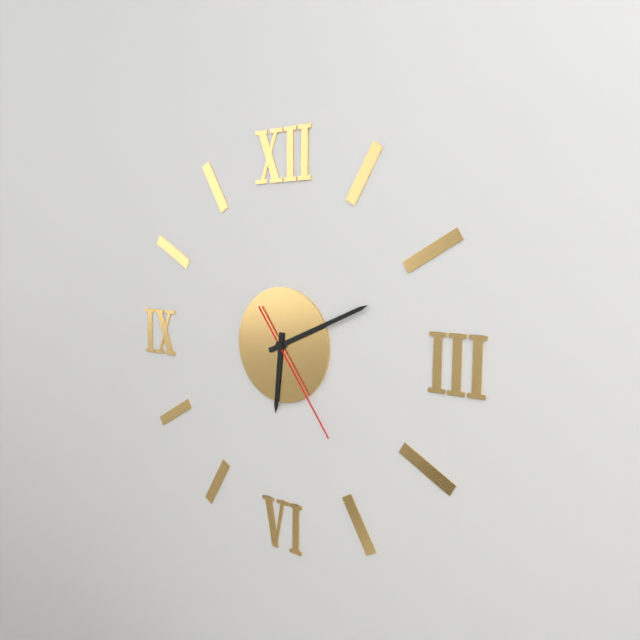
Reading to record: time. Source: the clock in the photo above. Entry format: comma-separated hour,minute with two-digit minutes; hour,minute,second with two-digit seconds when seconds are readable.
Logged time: 6,11,24
